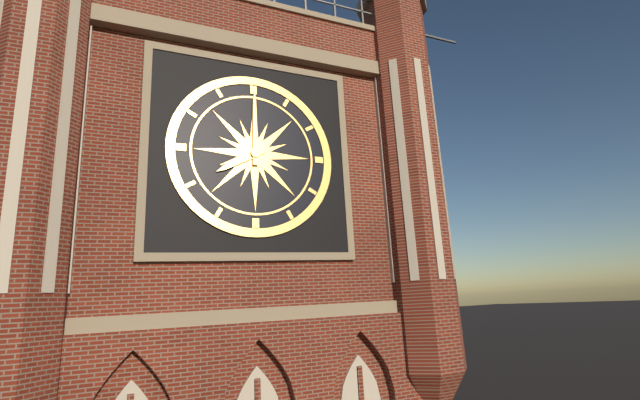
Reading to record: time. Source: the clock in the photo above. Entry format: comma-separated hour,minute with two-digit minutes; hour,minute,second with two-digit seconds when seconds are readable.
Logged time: 8,00
